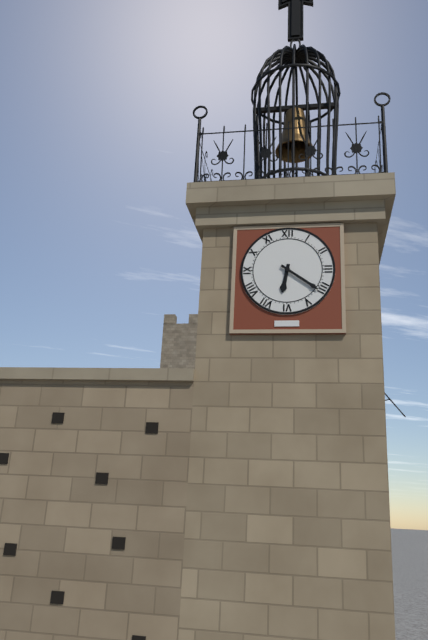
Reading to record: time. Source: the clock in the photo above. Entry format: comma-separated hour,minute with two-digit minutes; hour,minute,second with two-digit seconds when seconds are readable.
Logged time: 6,21
